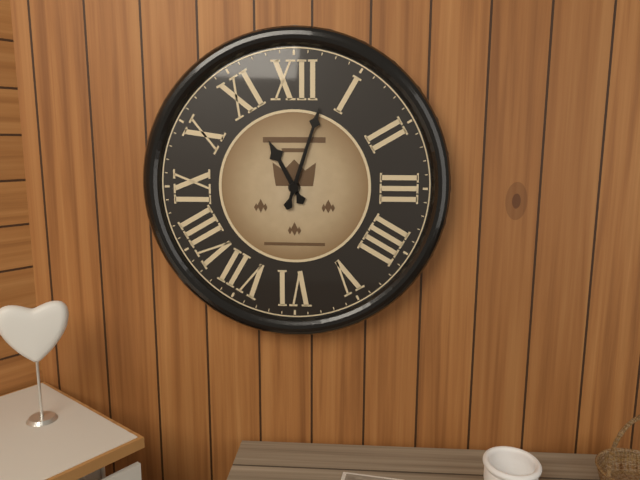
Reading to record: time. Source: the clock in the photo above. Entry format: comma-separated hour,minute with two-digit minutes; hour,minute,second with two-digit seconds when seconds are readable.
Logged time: 11,03
